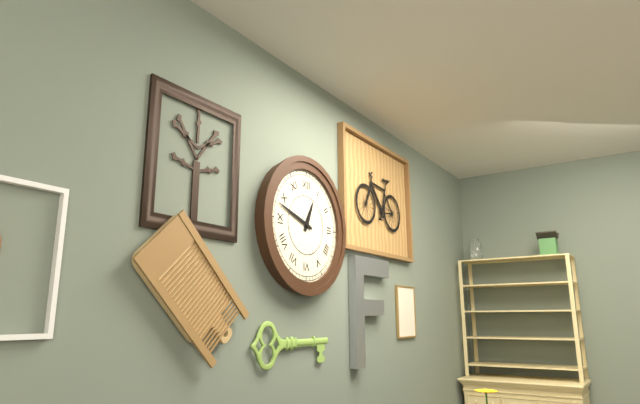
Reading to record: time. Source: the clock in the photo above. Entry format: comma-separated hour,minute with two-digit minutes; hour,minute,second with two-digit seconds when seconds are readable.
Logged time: 12,48
